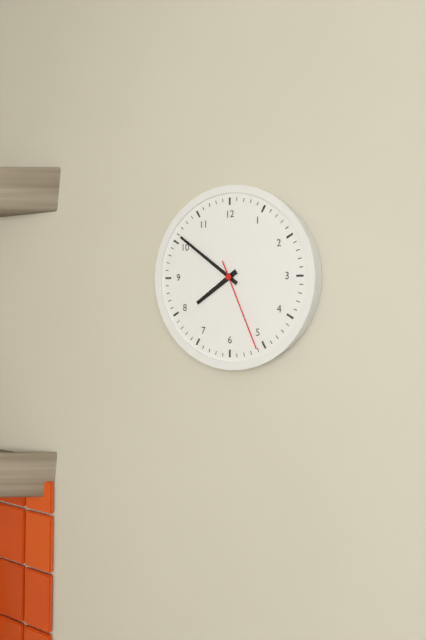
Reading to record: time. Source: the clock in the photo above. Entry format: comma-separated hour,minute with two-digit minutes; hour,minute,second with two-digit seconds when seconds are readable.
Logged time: 7,51,26
